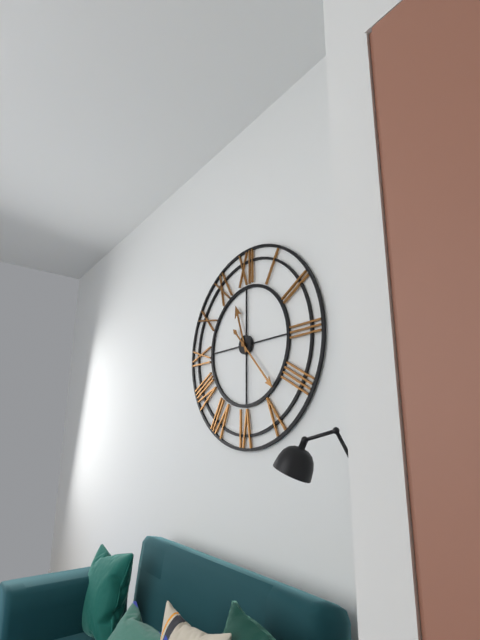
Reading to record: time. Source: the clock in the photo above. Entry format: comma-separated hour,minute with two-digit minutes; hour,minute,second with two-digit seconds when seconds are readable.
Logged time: 11,23
